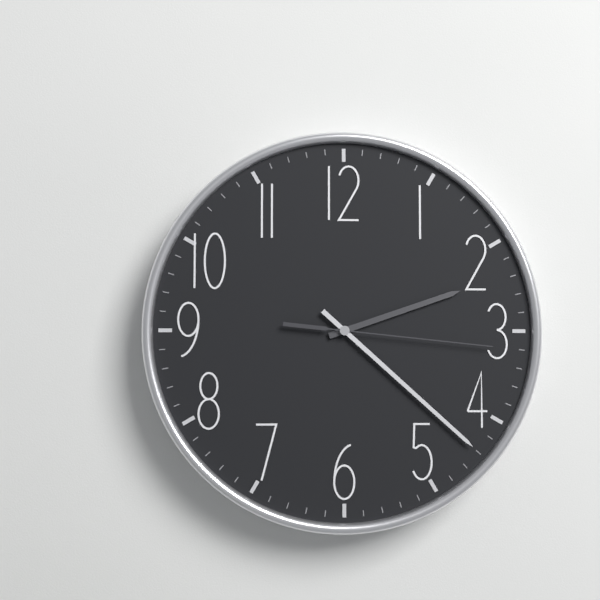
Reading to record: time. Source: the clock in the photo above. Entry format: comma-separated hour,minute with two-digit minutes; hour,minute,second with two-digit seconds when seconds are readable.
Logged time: 2,22,16
